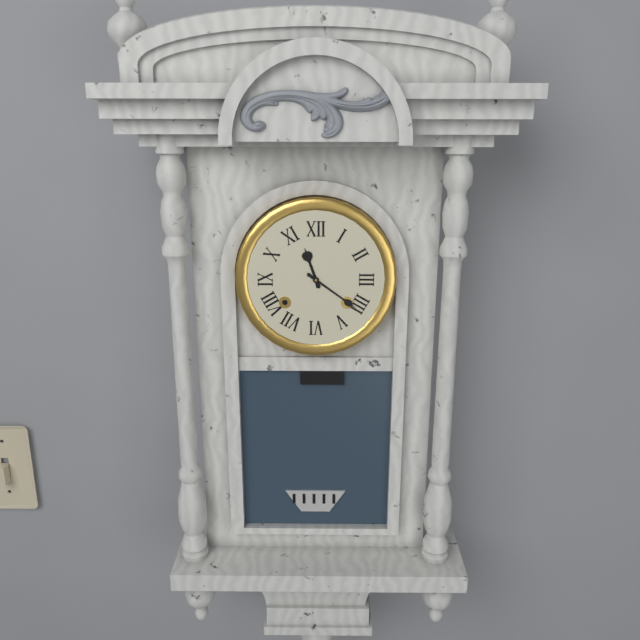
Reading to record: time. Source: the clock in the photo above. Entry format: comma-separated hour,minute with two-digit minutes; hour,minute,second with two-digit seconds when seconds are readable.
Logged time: 11,21
